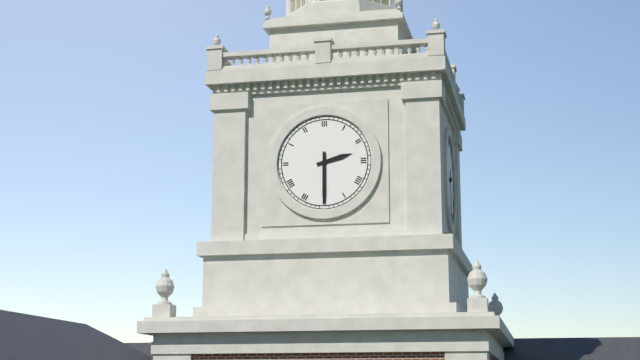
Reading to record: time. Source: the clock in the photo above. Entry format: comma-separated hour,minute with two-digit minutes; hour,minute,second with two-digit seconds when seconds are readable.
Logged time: 2,30
